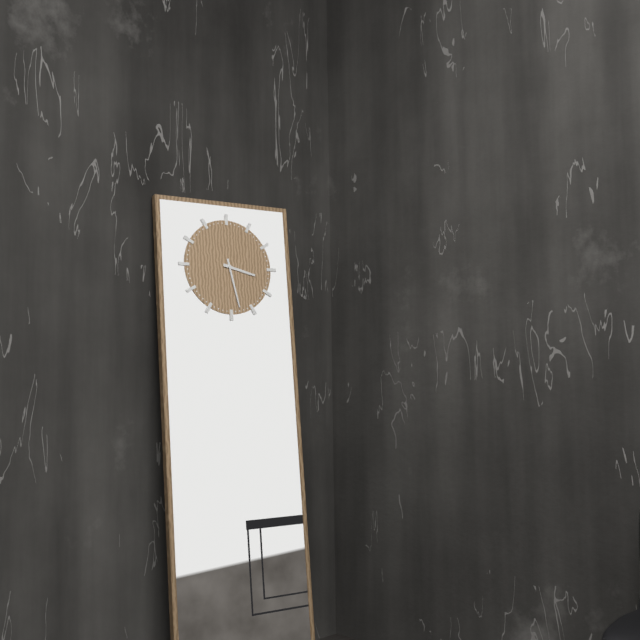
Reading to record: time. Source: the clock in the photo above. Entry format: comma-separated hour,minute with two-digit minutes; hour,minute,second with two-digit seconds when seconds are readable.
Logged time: 3,28
